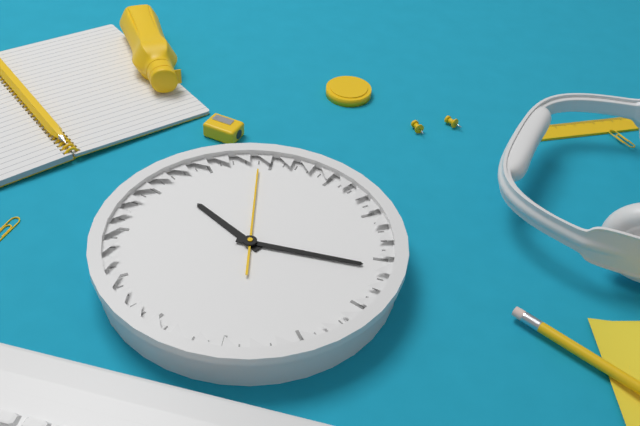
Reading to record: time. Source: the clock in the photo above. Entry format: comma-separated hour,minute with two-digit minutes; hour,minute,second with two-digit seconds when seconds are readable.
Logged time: 10,16,59
